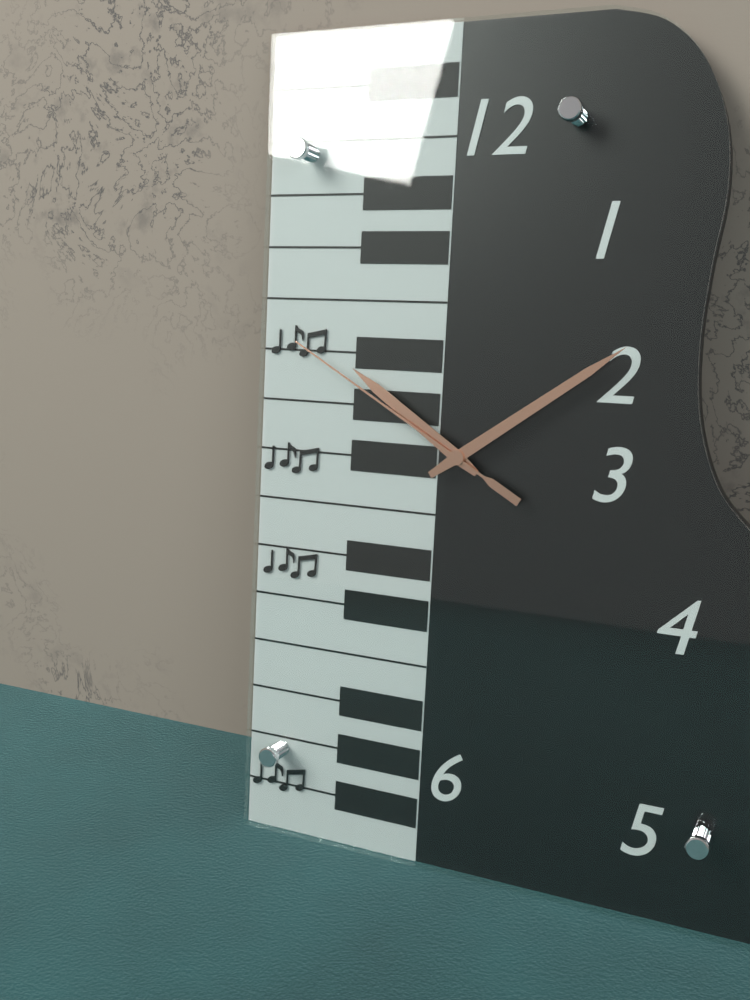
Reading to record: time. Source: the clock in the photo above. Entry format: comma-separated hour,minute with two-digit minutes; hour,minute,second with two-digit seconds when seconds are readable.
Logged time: 10,09,50
